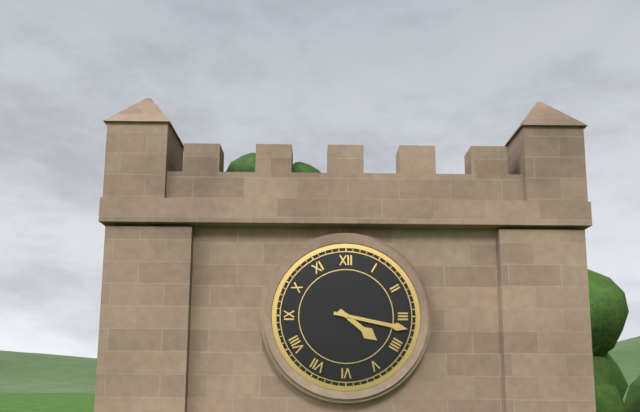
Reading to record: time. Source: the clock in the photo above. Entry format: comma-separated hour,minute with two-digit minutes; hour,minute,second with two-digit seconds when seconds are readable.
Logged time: 4,17
